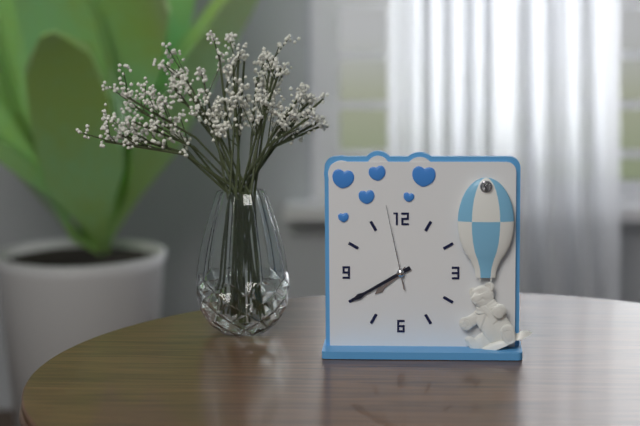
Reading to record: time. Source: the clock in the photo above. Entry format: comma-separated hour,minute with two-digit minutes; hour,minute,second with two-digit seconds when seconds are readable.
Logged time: 7,40,58
